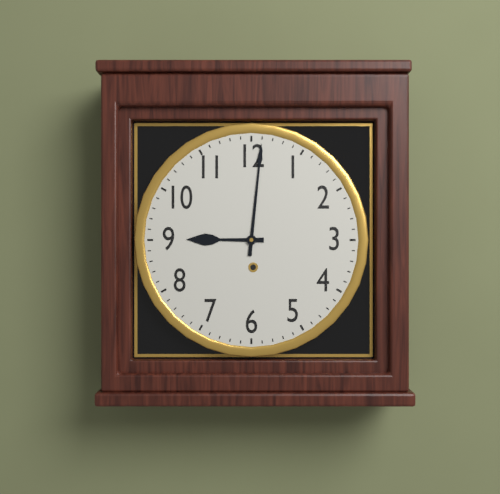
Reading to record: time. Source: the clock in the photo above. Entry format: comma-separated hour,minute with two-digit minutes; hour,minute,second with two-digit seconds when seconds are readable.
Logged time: 9,01
